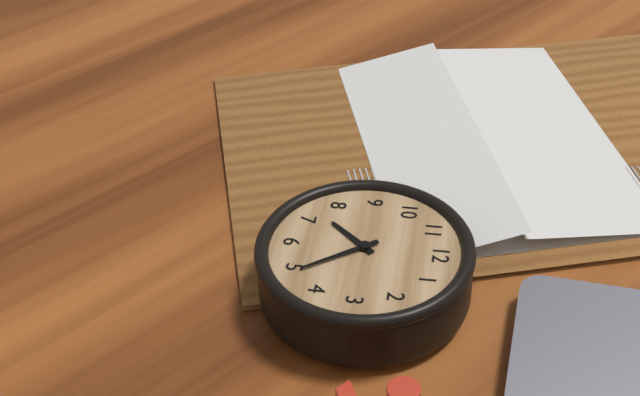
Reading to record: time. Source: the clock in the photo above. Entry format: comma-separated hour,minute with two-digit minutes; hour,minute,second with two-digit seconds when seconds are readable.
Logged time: 7,24
